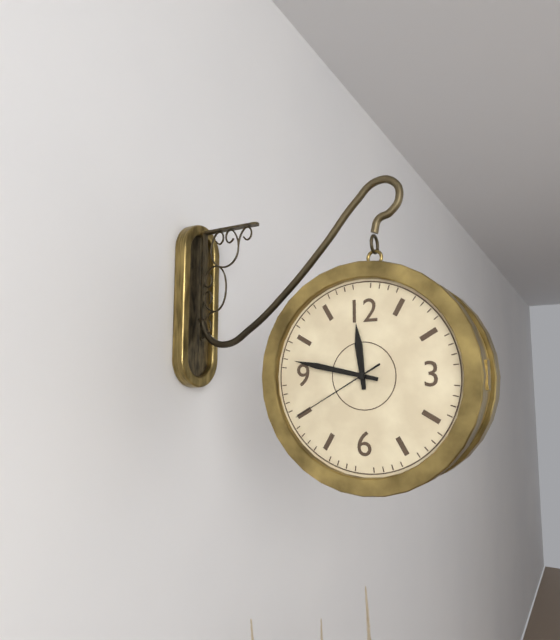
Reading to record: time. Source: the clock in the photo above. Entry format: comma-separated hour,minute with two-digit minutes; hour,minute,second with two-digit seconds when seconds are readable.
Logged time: 11,47,40
